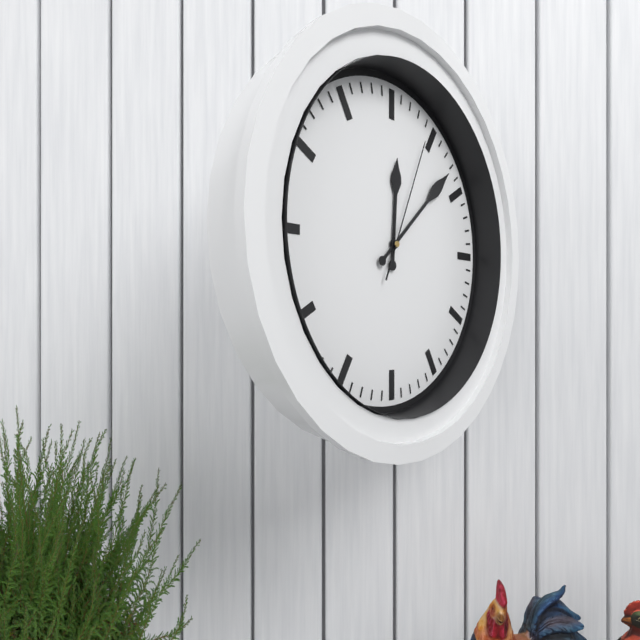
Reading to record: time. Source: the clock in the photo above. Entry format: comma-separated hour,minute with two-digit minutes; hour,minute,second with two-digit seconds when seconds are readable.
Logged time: 12,08,04
